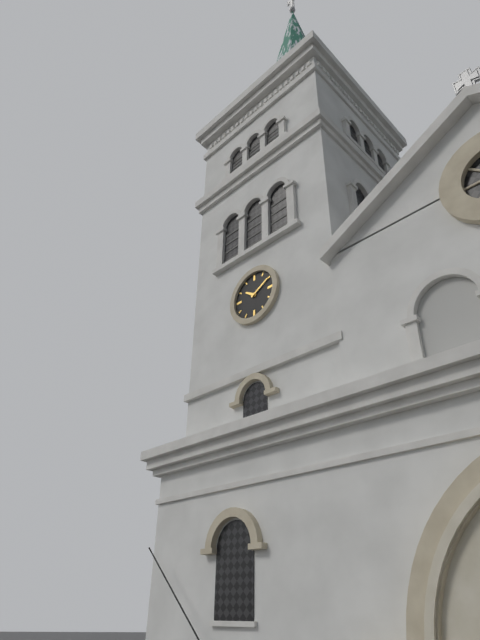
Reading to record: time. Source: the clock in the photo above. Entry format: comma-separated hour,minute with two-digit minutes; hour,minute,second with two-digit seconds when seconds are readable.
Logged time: 10,10
